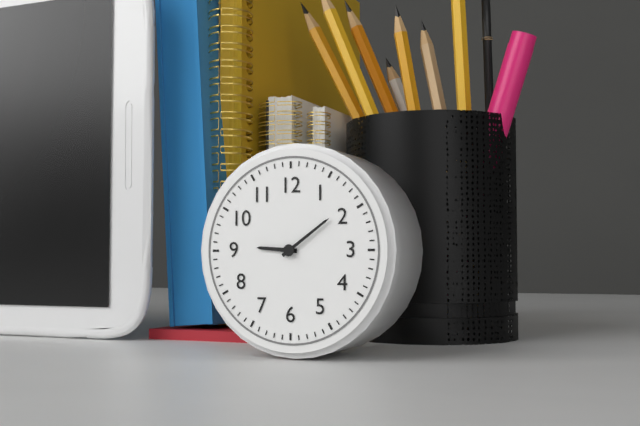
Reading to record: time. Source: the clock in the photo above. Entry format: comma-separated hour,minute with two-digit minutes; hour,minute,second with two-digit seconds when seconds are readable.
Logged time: 9,09
